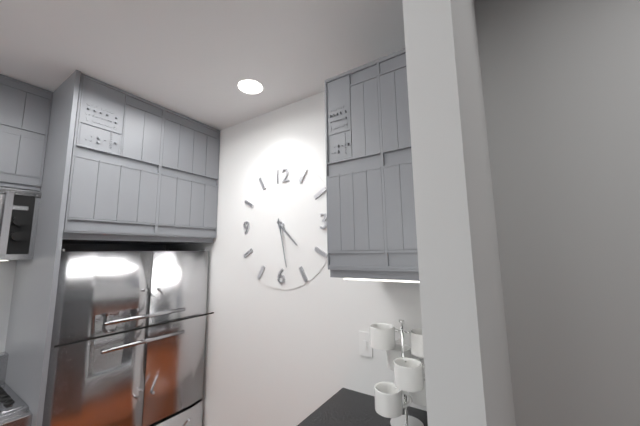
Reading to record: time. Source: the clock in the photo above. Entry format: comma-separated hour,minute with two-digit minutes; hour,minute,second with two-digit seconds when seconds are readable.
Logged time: 4,28
